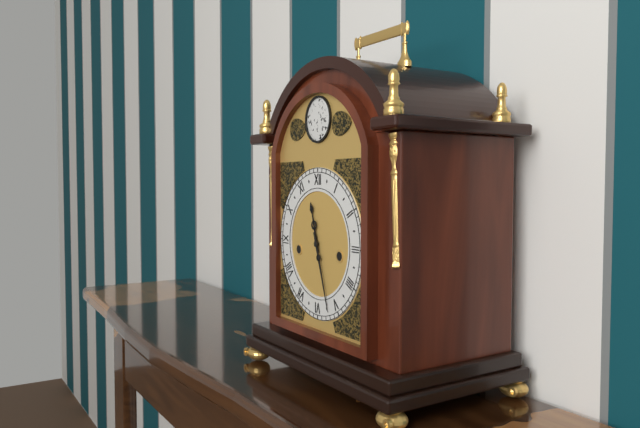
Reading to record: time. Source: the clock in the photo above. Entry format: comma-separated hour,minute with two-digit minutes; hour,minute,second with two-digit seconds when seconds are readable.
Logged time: 11,27
